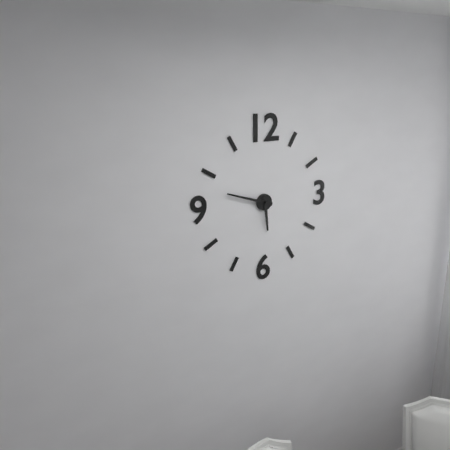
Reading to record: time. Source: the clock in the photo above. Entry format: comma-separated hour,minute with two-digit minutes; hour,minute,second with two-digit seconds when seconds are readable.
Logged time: 5,48
